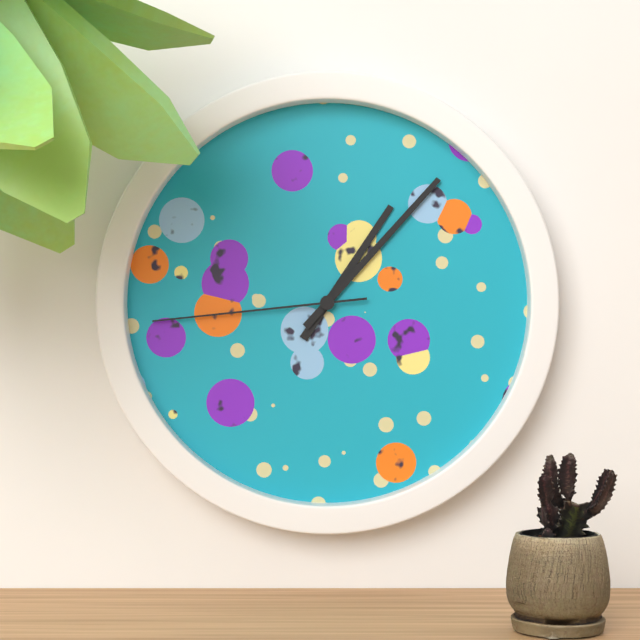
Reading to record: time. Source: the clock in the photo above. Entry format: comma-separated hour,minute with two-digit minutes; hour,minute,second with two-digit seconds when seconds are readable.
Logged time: 1,07,44
